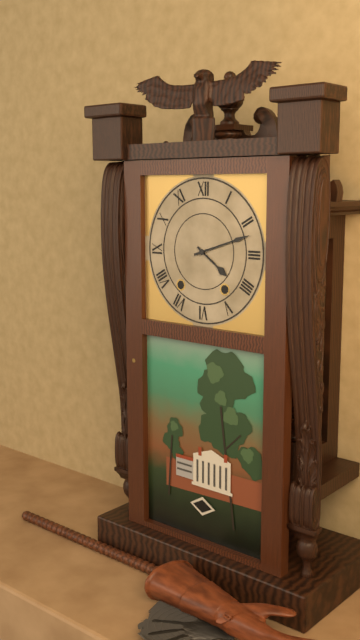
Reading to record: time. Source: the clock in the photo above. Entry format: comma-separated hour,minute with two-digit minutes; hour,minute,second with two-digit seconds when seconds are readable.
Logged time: 4,12
